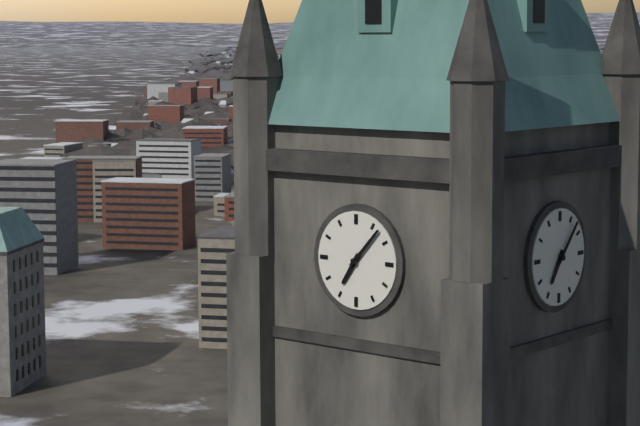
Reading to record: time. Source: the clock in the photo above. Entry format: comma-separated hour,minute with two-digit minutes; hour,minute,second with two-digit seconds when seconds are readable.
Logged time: 7,07
